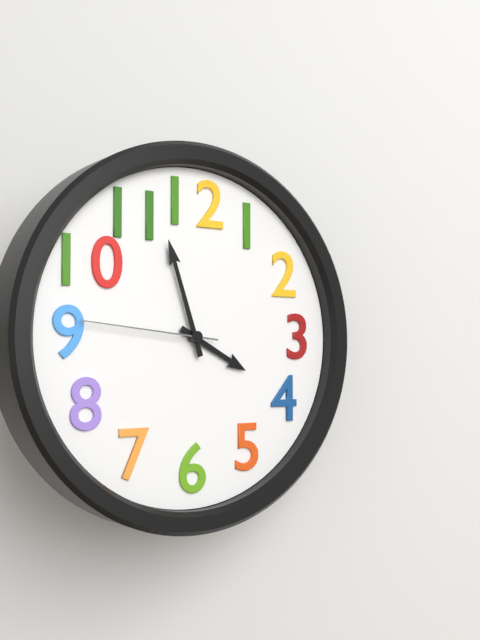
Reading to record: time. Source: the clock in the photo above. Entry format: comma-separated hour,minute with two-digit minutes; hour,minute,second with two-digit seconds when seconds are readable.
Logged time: 3,57,46
